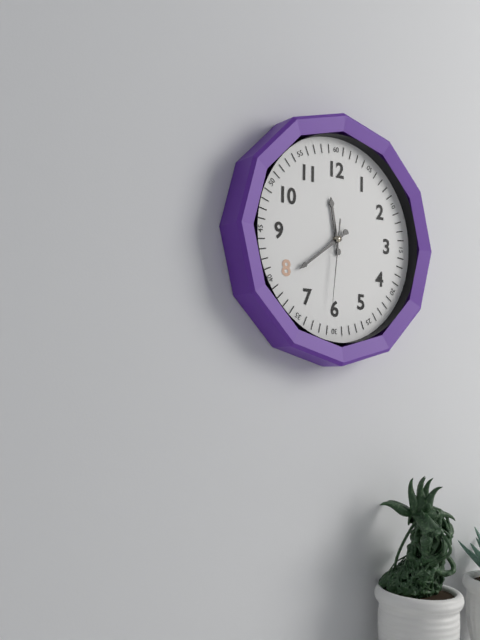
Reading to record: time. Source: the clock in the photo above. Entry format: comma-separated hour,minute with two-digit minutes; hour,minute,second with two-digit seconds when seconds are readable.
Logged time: 11,39,31
